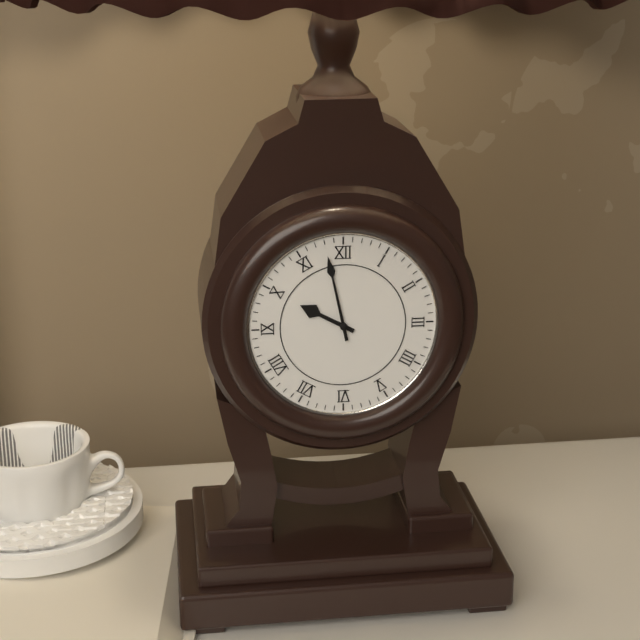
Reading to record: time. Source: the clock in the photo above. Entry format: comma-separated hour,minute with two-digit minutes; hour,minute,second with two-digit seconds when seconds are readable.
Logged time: 9,58
